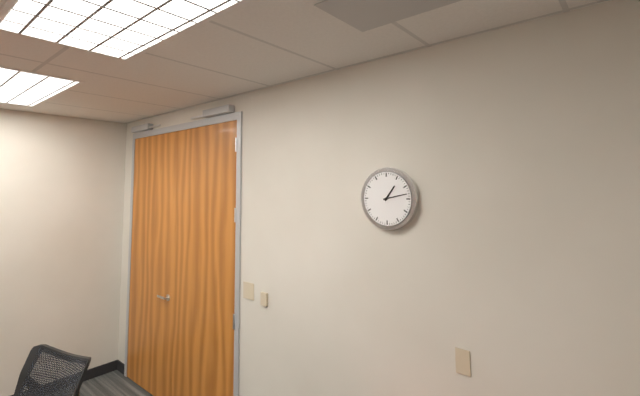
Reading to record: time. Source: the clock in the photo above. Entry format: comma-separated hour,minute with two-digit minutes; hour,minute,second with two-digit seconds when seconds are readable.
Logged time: 1,13
